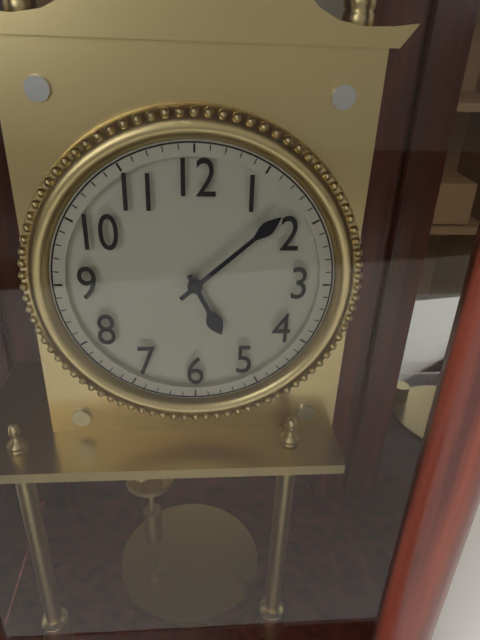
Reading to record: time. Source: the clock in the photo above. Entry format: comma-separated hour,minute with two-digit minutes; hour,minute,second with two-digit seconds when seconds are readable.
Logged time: 5,08
